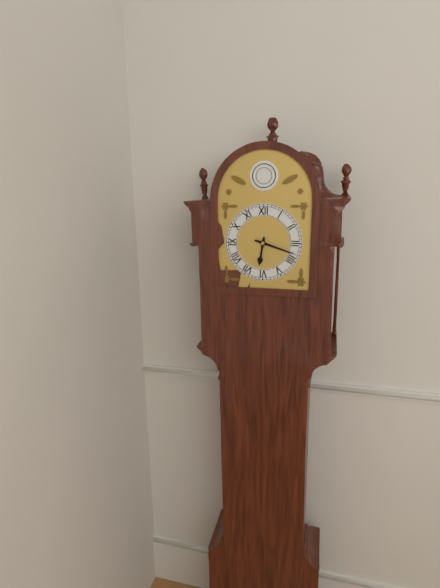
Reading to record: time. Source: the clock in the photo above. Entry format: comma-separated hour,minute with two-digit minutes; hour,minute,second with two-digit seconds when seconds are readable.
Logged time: 6,18
